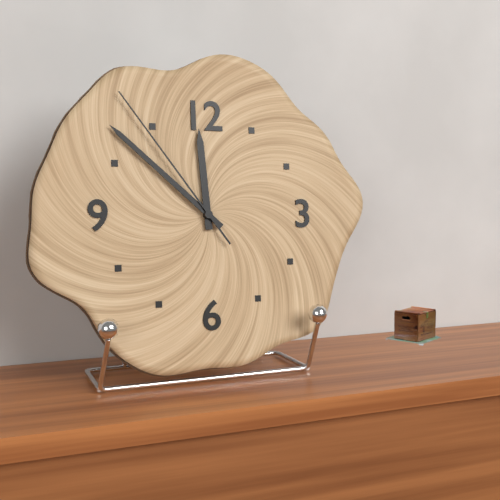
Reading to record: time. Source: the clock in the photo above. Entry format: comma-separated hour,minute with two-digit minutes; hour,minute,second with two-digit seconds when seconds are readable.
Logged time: 11,52,54
